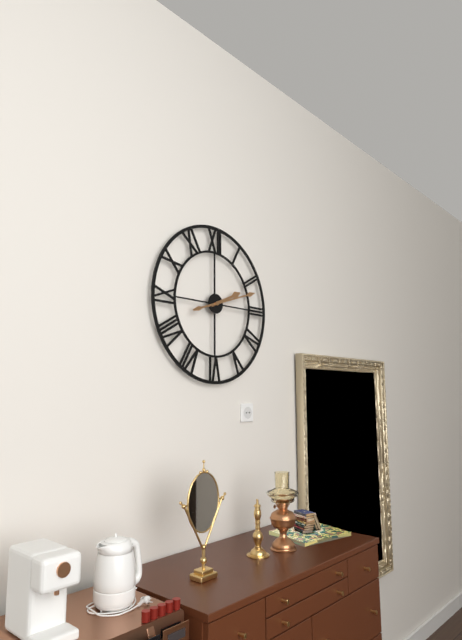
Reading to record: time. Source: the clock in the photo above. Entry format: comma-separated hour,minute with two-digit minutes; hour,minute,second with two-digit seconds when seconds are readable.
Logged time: 2,12
